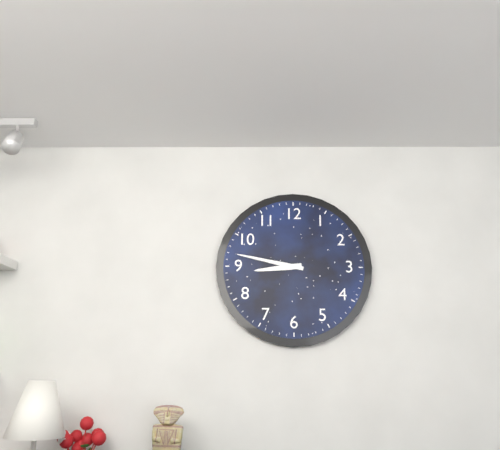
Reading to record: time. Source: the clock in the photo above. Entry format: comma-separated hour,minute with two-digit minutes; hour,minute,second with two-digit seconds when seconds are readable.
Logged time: 8,47
